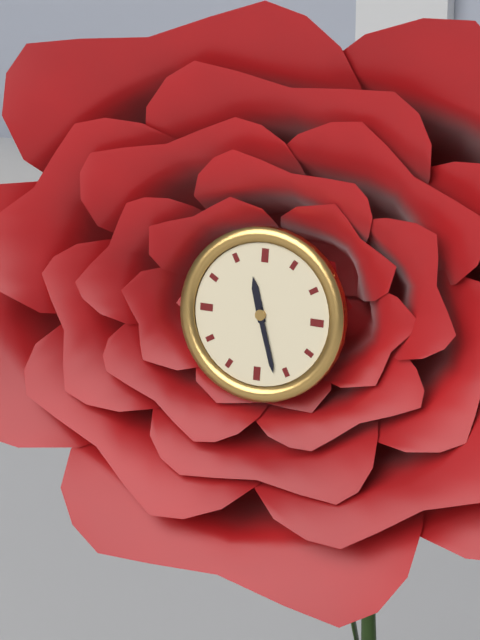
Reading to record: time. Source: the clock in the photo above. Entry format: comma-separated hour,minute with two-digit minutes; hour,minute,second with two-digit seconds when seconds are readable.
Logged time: 11,27
